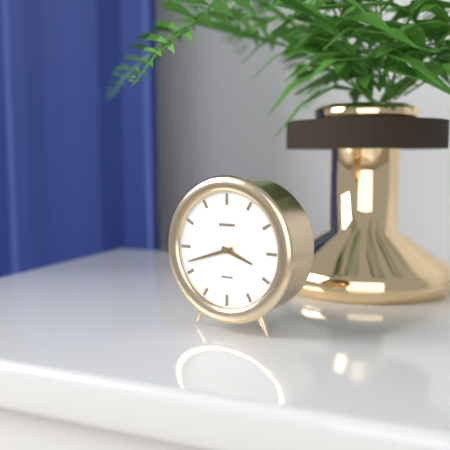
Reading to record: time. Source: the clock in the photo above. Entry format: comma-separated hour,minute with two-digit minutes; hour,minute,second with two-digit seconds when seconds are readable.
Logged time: 3,42
